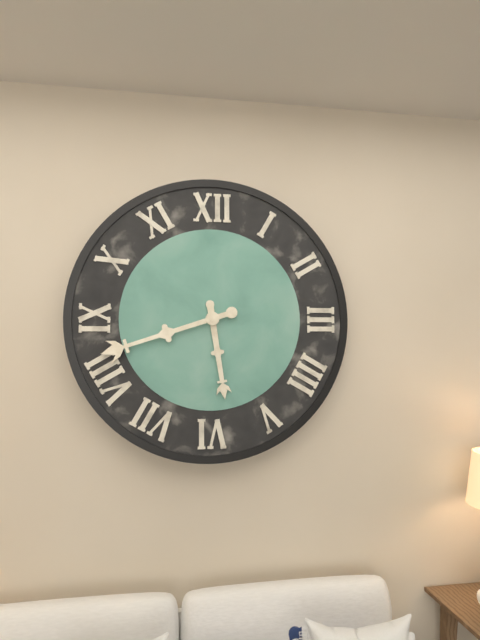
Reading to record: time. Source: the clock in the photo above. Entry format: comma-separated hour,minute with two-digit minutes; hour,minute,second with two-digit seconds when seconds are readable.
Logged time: 5,42
